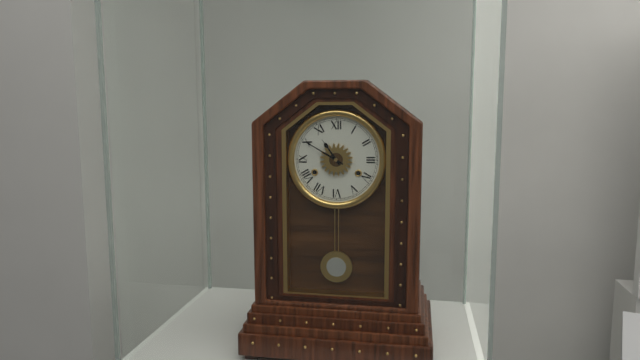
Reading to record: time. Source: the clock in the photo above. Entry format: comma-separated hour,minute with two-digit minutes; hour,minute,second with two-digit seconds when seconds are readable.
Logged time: 10,50
